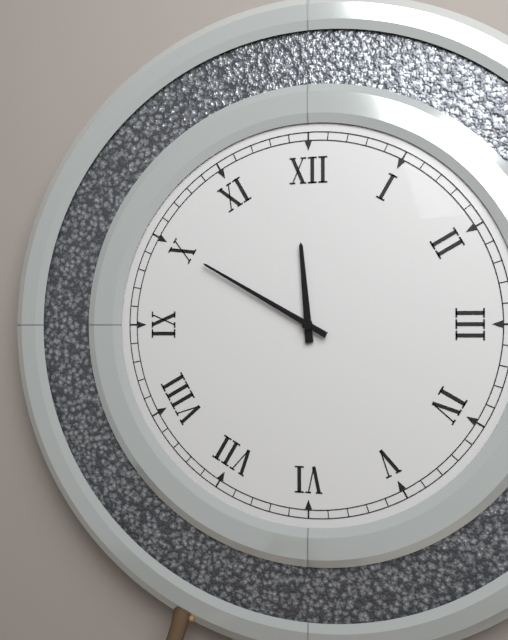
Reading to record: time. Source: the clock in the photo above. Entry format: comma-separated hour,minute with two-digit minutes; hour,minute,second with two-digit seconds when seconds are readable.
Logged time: 11,50
